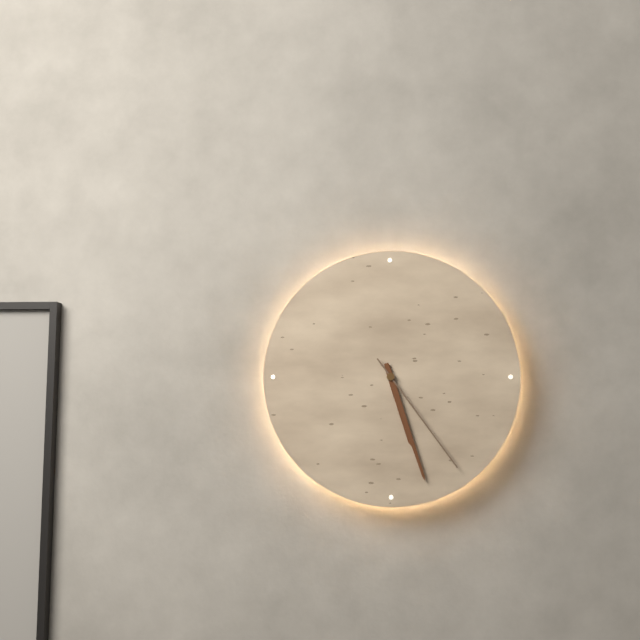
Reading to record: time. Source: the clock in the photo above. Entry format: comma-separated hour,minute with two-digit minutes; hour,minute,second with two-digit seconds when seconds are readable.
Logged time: 5,27,24
